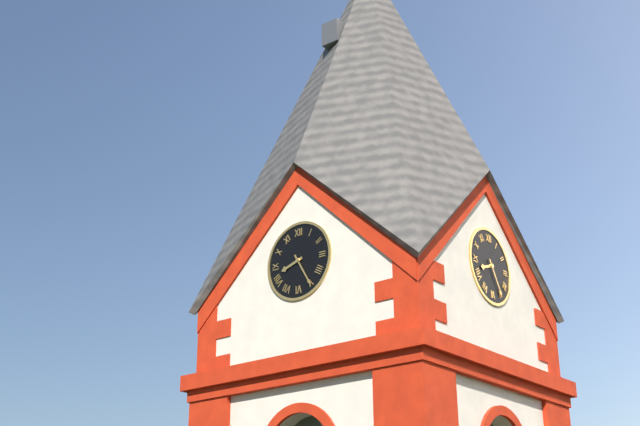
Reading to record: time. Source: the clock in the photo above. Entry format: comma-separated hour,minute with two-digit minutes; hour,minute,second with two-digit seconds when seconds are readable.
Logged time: 8,25
